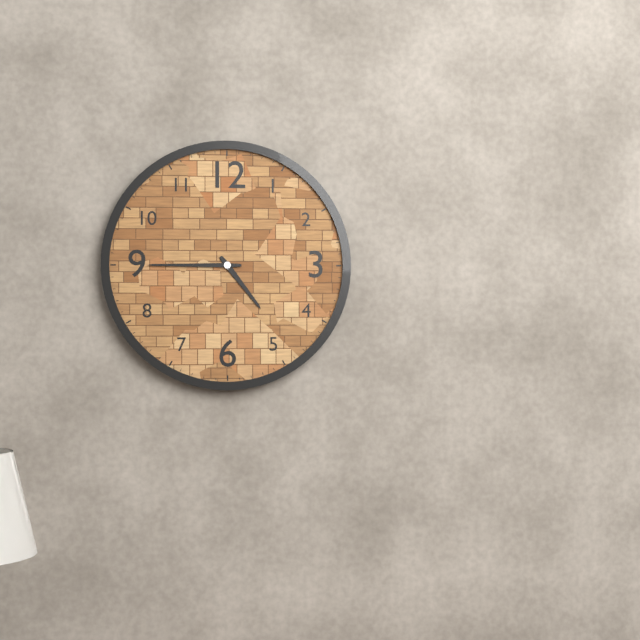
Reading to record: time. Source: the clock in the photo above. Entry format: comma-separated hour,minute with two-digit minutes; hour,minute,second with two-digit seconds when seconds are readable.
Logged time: 4,45
